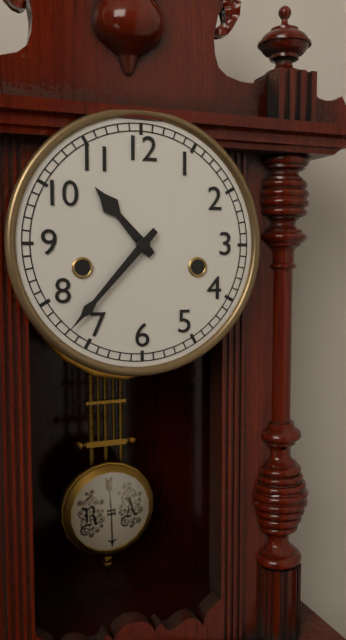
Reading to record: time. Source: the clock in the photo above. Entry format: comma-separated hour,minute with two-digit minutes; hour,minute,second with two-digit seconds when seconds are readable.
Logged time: 10,37
